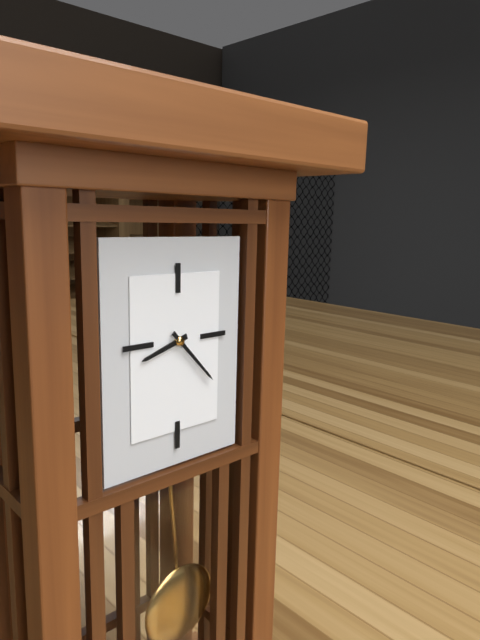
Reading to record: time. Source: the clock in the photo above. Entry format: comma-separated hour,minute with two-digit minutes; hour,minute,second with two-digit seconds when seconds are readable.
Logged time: 8,23
